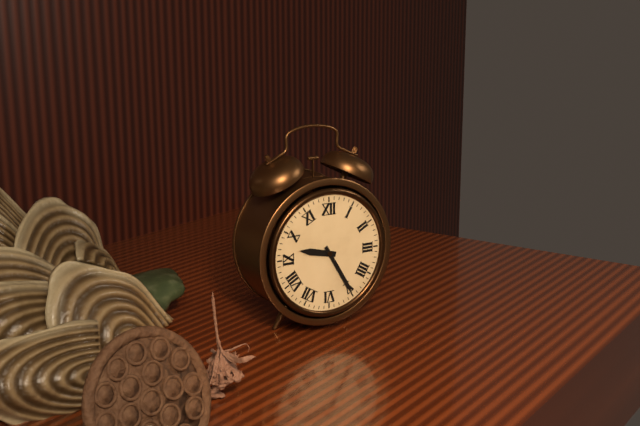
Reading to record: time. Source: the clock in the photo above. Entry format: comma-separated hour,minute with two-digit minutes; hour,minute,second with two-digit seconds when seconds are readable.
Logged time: 9,25
